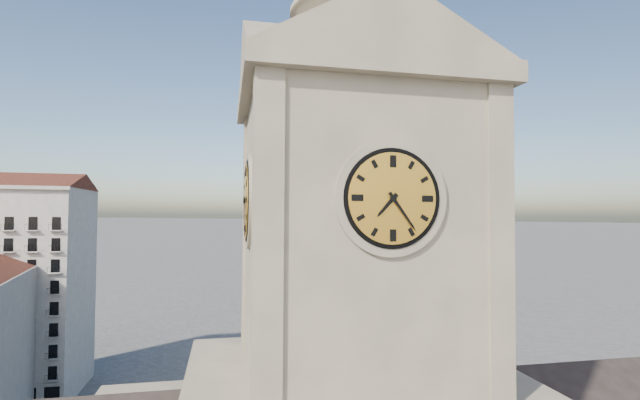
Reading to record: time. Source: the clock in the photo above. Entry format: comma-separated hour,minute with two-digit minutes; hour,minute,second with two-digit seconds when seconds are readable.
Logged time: 7,24
